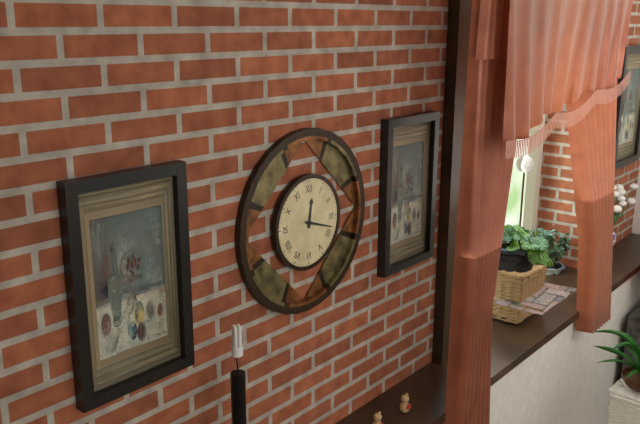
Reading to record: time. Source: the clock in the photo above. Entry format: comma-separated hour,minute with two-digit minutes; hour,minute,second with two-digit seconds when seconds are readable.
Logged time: 12,18
